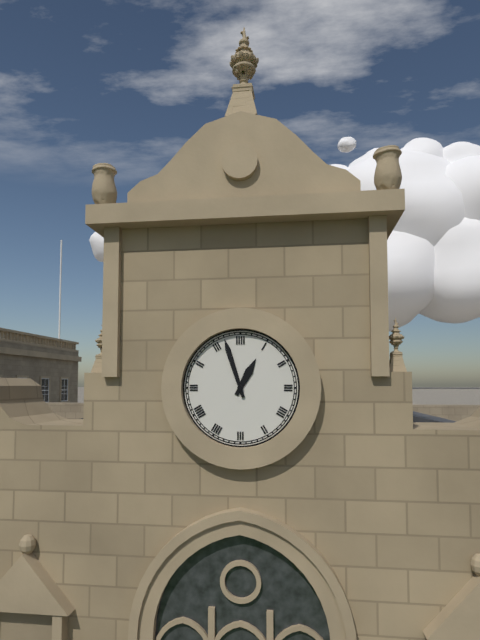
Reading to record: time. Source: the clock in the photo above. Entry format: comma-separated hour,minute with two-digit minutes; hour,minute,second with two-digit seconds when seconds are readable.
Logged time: 12,57
